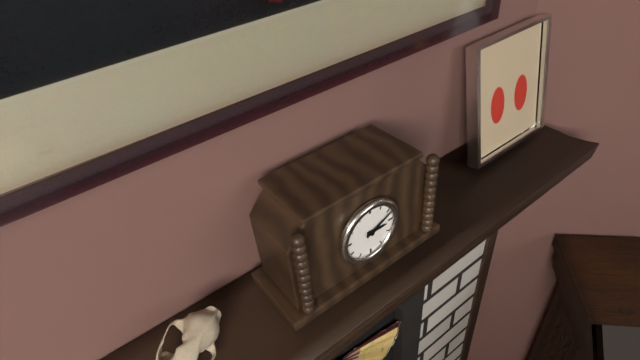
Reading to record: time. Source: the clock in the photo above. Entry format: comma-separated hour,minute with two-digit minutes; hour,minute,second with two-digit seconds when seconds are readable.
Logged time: 3,11
